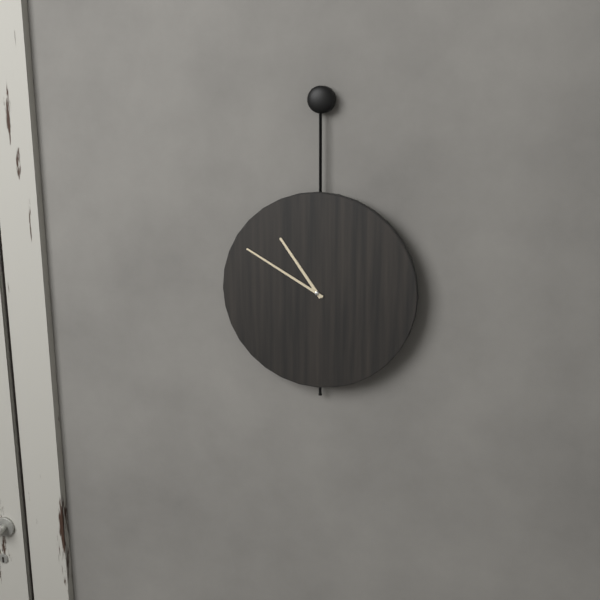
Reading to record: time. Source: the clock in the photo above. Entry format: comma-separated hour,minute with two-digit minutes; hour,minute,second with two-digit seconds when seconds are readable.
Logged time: 10,50
